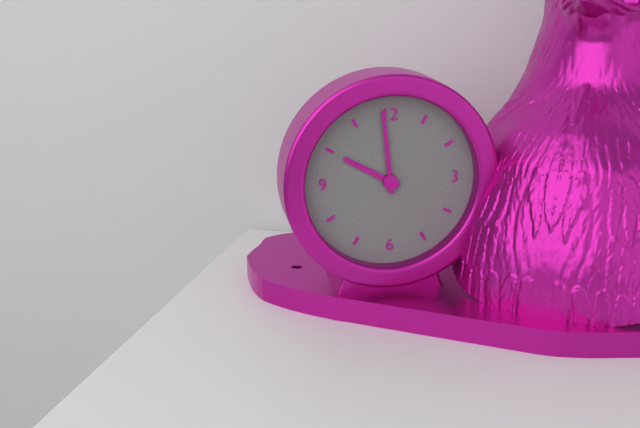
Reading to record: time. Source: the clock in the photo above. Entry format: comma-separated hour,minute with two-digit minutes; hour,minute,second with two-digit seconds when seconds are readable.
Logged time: 9,59
